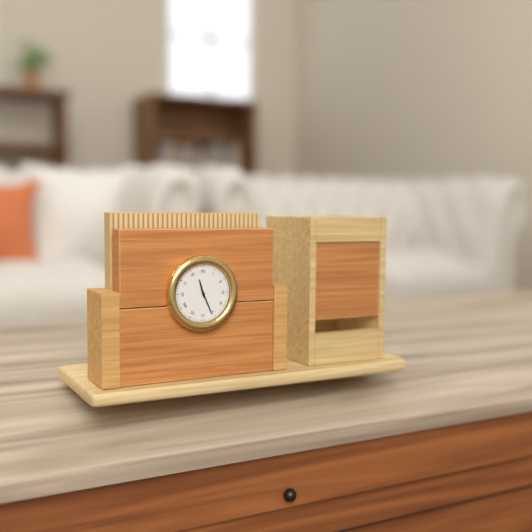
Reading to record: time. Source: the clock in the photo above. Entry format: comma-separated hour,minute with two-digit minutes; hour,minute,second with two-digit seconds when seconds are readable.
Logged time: 11,26
